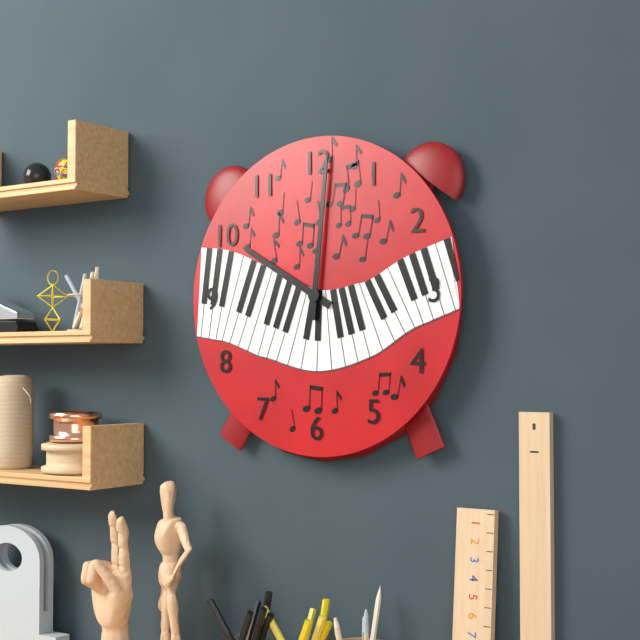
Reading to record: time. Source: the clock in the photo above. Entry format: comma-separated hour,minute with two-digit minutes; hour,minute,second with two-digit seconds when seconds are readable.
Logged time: 10,01
